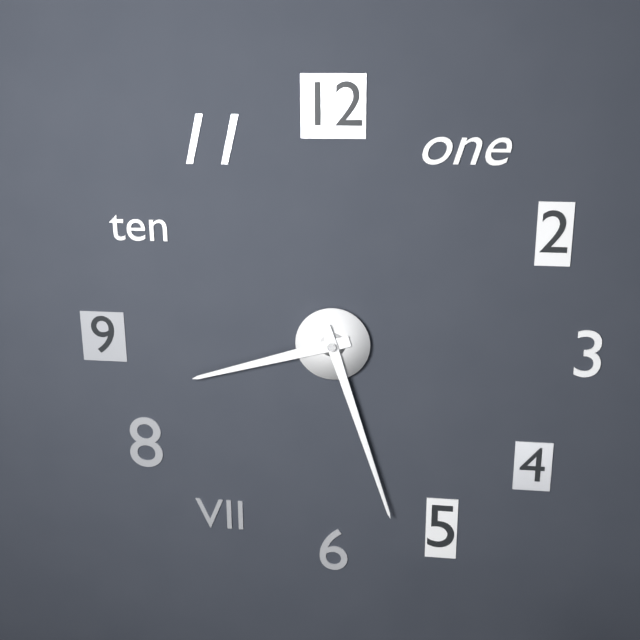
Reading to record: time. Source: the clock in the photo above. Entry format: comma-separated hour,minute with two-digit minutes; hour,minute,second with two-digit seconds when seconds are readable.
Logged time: 8,27
